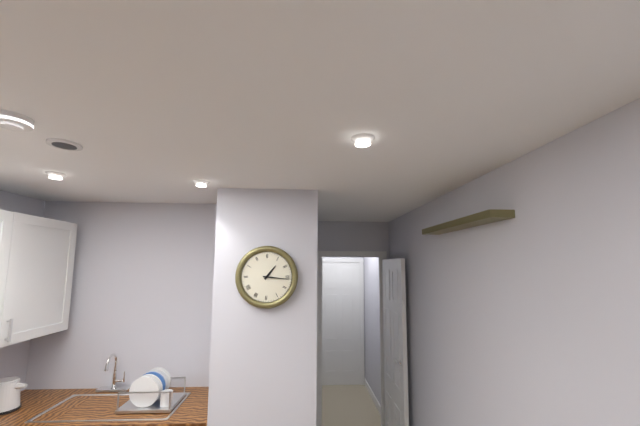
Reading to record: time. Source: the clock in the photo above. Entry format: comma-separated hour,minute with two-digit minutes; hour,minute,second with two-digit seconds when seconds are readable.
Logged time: 1,16
